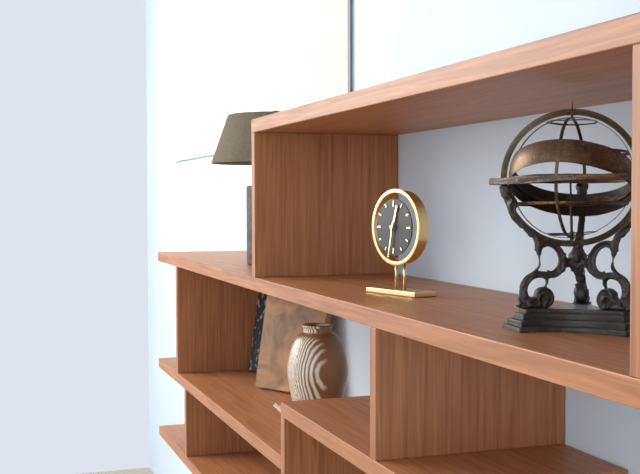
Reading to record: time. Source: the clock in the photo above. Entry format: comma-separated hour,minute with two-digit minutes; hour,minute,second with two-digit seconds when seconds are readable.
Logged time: 12,32
